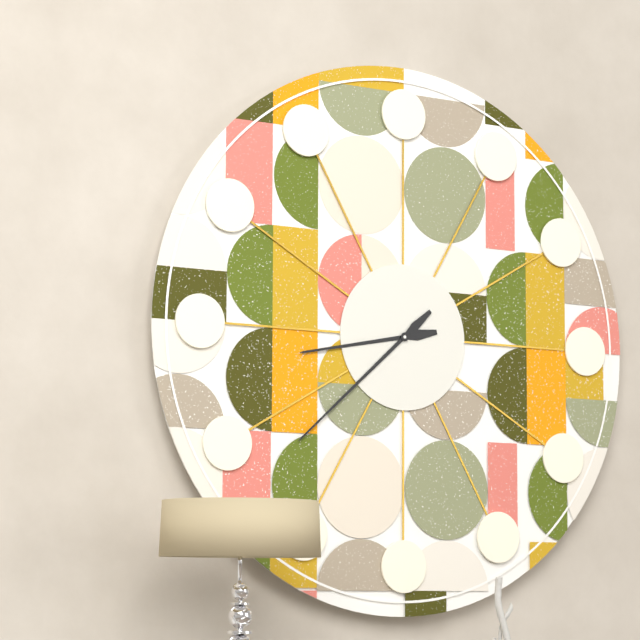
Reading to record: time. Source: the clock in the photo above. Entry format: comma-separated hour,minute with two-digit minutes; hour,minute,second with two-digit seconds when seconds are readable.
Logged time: 8,38
